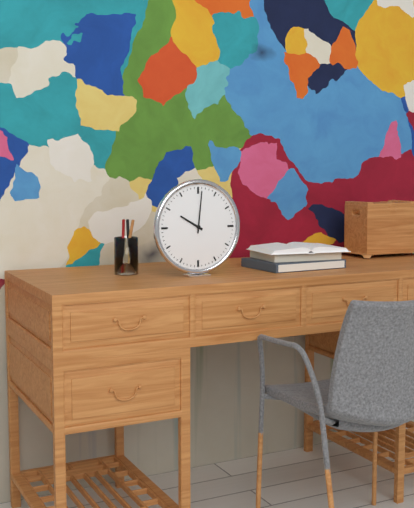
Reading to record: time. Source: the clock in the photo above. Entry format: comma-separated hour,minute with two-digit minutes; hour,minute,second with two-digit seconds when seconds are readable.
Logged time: 10,01
